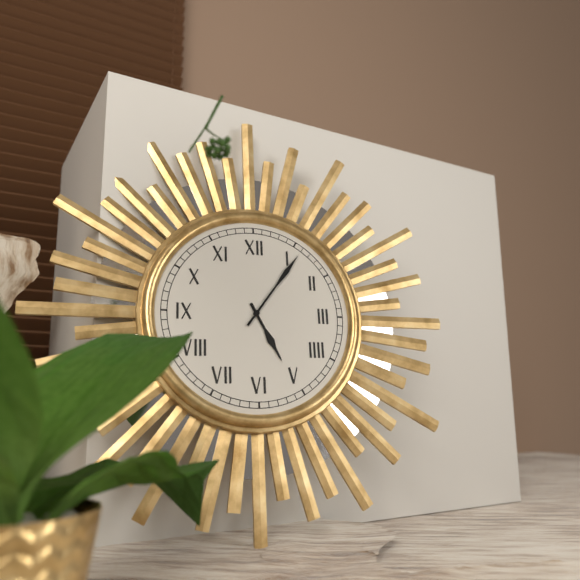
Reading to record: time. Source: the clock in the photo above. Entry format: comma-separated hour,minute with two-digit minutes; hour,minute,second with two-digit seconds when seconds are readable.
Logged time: 5,06
